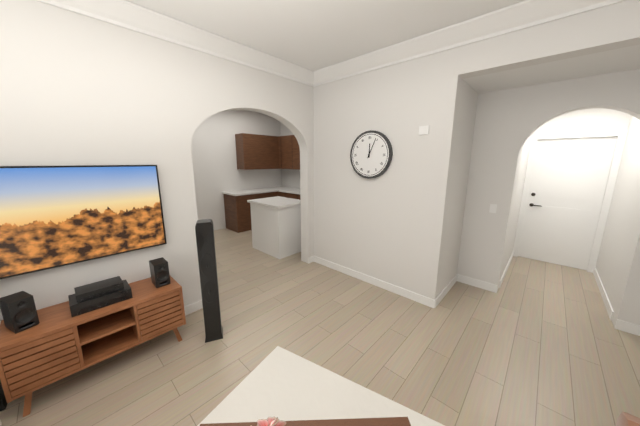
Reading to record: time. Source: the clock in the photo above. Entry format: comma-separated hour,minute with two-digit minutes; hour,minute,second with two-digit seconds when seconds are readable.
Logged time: 12,04
